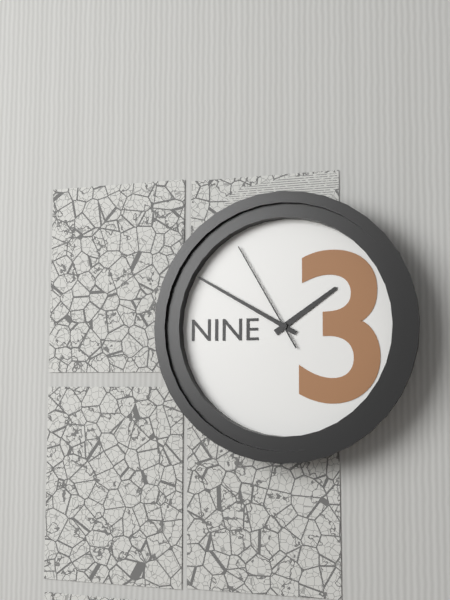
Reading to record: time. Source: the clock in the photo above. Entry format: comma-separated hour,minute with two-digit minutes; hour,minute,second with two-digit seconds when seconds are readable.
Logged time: 1,50,55
